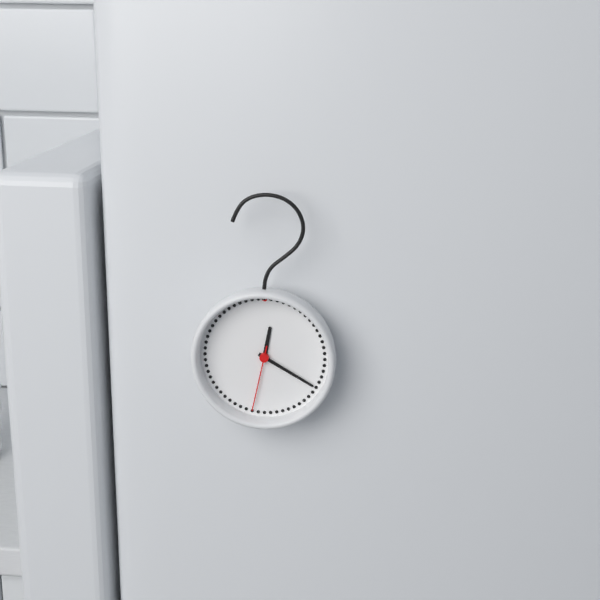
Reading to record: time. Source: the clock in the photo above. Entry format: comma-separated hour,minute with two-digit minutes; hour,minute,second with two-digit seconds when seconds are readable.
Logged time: 12,20,32
